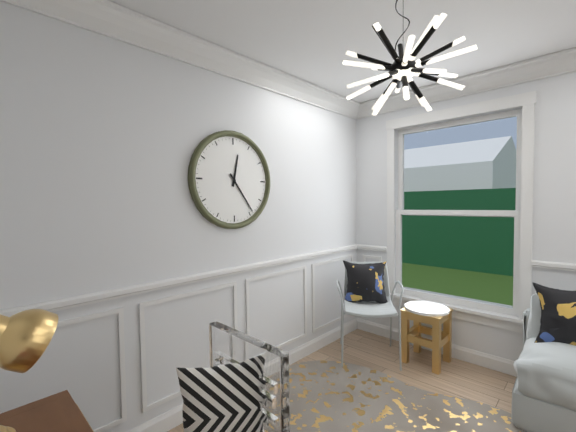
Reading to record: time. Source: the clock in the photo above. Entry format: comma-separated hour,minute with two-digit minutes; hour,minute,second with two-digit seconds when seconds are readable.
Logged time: 12,24
